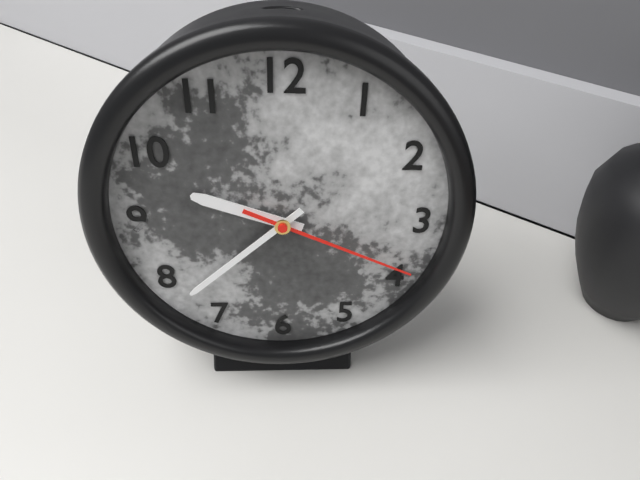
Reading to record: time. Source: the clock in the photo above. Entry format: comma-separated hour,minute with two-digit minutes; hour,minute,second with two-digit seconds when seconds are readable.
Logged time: 9,38,19
